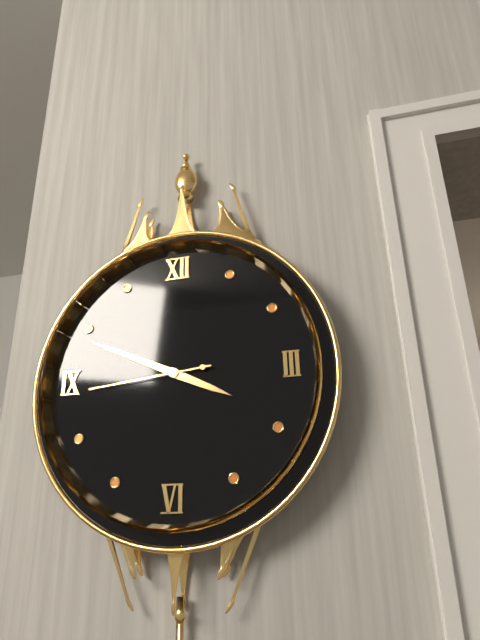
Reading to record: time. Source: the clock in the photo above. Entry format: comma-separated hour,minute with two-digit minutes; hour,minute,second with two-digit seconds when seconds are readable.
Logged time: 3,49,44
